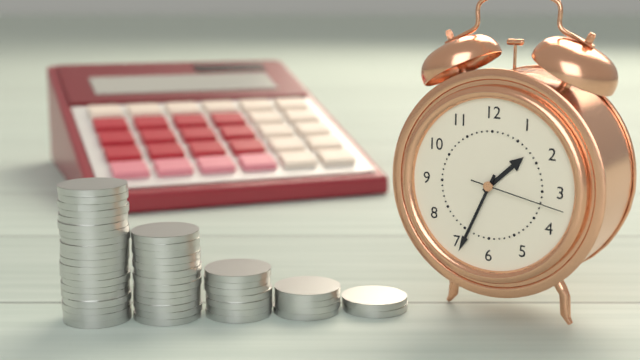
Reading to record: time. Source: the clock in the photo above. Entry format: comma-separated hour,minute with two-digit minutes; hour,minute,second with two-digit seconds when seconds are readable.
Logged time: 1,34,17
